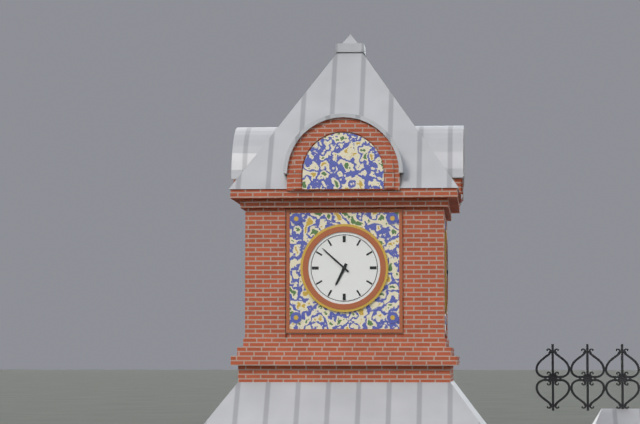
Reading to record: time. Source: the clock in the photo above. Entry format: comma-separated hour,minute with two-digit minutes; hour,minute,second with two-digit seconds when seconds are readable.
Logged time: 6,52
